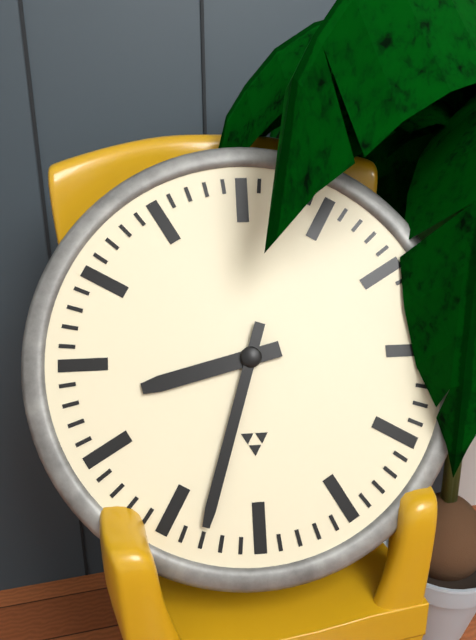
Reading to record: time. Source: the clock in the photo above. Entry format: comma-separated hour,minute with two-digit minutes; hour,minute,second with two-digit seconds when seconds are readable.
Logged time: 8,33
